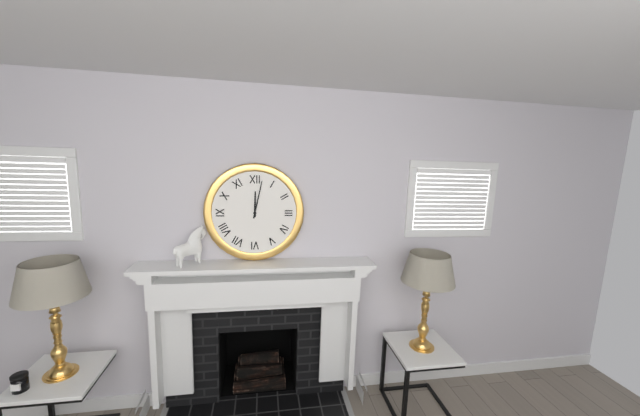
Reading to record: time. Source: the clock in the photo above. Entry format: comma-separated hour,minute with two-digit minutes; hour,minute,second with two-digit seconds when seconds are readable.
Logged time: 12,02
